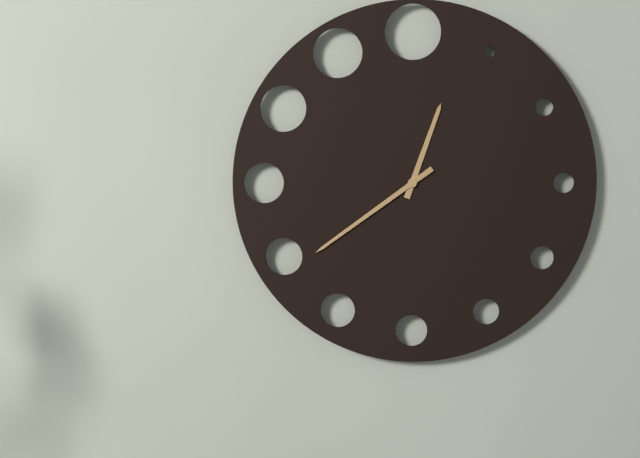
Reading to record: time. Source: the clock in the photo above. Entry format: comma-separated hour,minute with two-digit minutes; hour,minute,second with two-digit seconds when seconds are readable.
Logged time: 12,39
